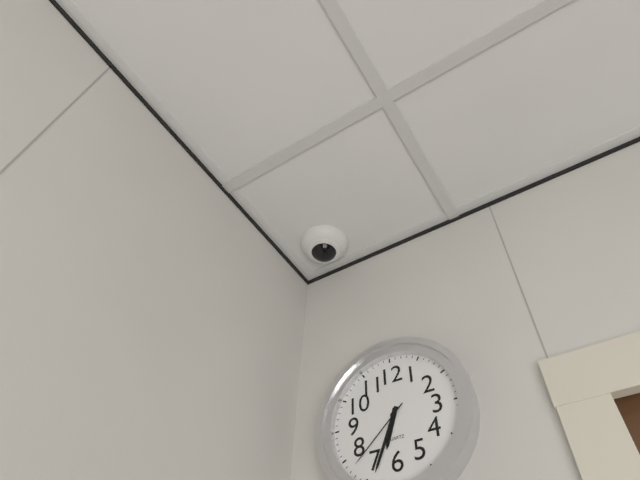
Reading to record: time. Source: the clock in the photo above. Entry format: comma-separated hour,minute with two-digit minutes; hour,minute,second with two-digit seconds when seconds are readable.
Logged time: 6,34,38
